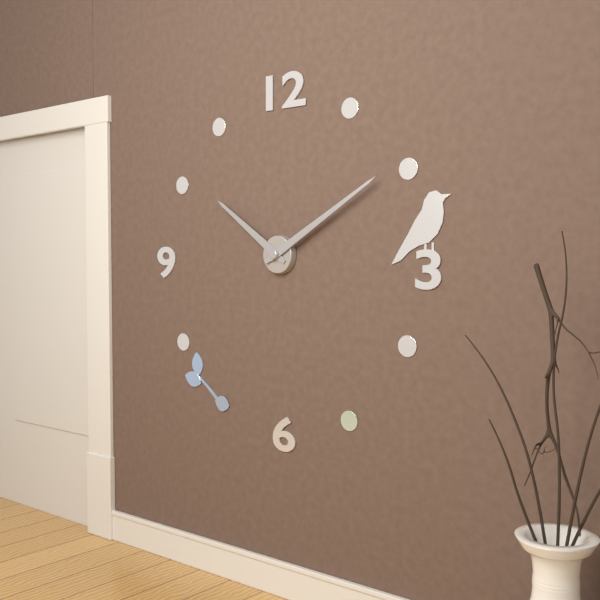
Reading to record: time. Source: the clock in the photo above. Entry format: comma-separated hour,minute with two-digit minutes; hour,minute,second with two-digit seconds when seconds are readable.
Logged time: 10,10
